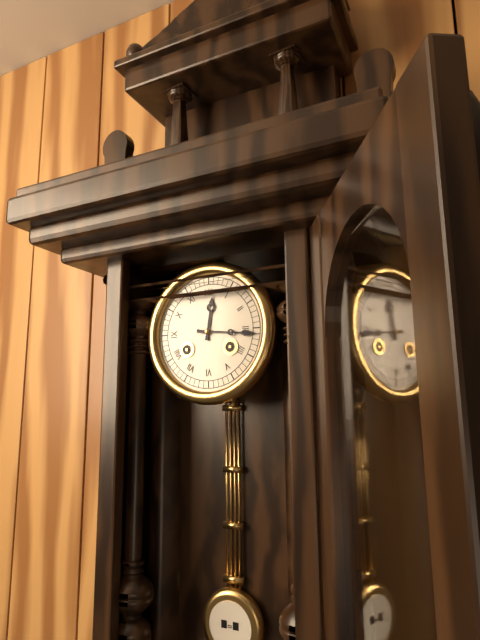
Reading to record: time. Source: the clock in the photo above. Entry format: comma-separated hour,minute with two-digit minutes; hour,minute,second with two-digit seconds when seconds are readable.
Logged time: 12,16
